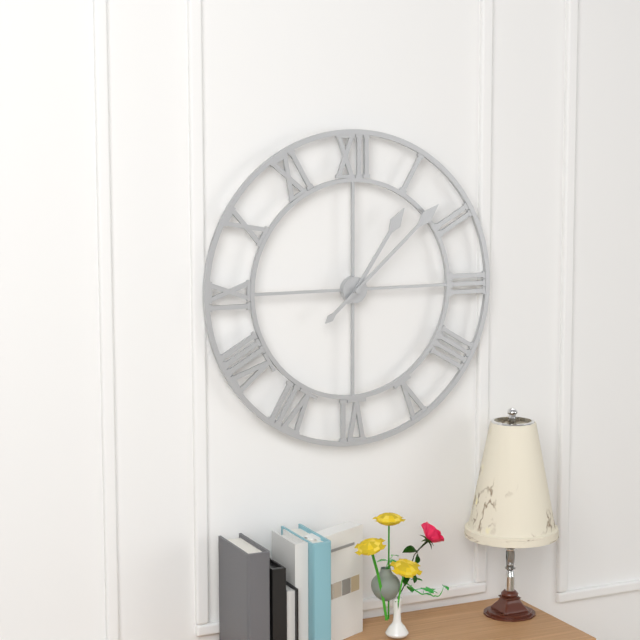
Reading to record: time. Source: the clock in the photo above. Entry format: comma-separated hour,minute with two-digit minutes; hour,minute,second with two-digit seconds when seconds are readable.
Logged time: 1,08
